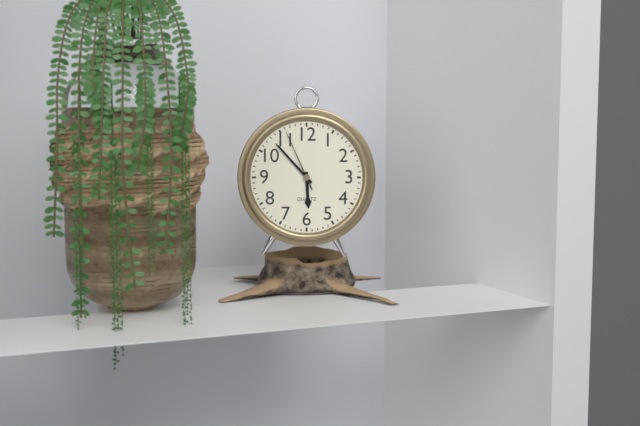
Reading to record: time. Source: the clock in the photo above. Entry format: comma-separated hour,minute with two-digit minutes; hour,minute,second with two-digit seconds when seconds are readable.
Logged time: 5,53,56
